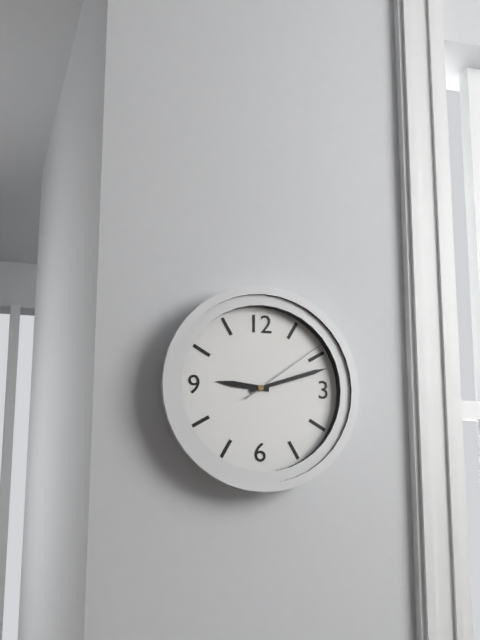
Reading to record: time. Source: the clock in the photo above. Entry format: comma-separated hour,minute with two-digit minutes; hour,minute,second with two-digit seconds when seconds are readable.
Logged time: 9,12,09
